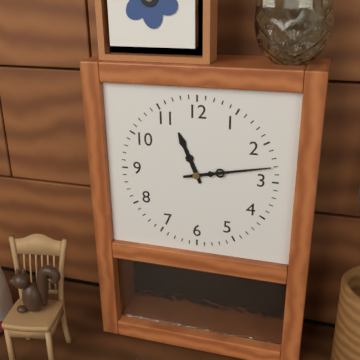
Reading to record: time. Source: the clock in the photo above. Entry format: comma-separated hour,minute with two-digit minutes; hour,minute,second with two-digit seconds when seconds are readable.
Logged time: 11,13
